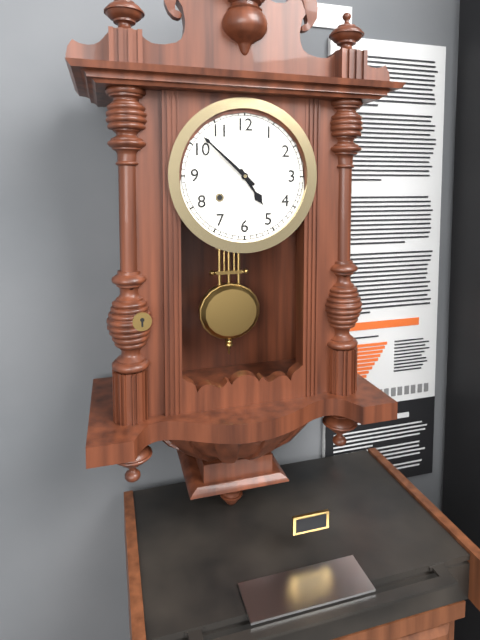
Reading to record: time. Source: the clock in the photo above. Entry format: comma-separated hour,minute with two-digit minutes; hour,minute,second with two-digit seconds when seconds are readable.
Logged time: 4,52
